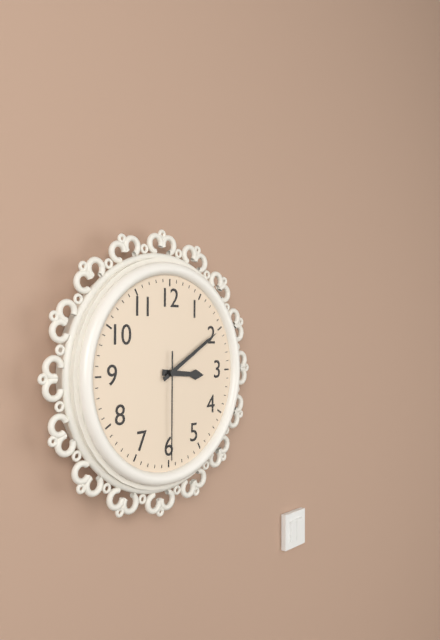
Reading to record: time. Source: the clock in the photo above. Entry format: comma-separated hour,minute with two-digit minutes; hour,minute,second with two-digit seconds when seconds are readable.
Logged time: 3,10,30
